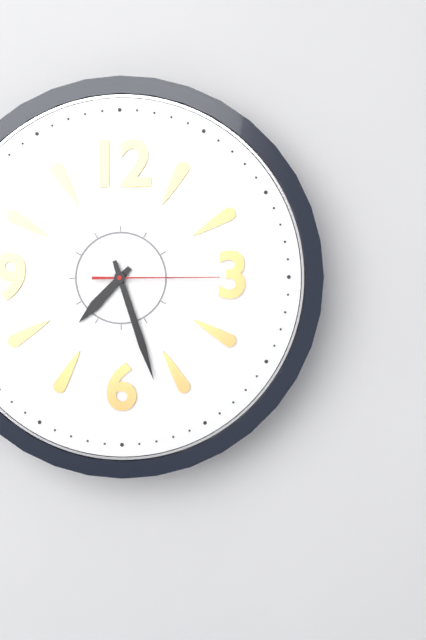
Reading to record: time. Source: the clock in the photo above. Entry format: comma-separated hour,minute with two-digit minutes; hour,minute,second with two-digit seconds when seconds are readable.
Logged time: 7,27,15
